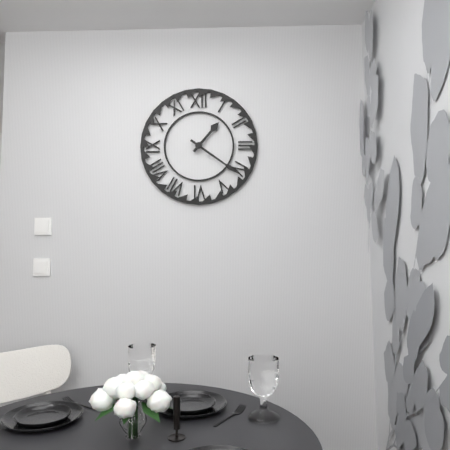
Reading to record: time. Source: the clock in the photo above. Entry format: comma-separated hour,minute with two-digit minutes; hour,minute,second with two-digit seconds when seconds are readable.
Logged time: 1,21
